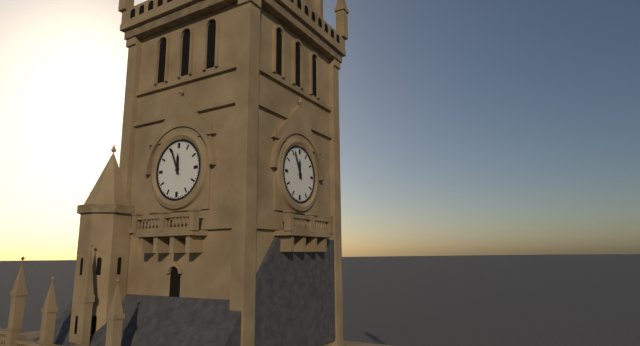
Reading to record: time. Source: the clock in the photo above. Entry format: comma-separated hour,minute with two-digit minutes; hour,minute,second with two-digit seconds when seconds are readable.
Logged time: 11,56
